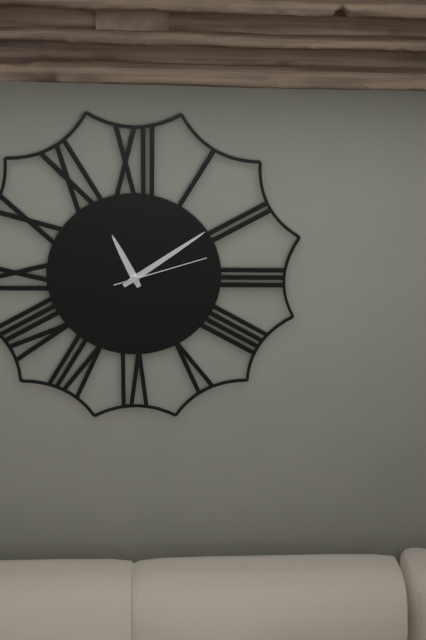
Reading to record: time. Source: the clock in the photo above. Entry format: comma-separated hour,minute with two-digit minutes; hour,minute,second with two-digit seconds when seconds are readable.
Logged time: 11,09,12
